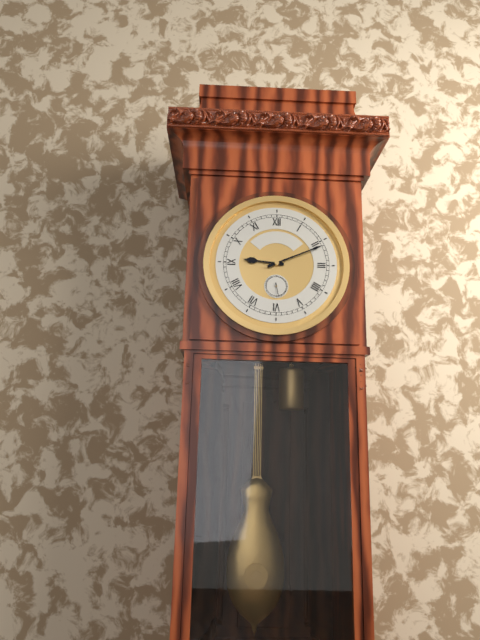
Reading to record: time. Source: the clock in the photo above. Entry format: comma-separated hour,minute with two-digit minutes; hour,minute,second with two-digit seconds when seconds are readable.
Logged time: 9,11
